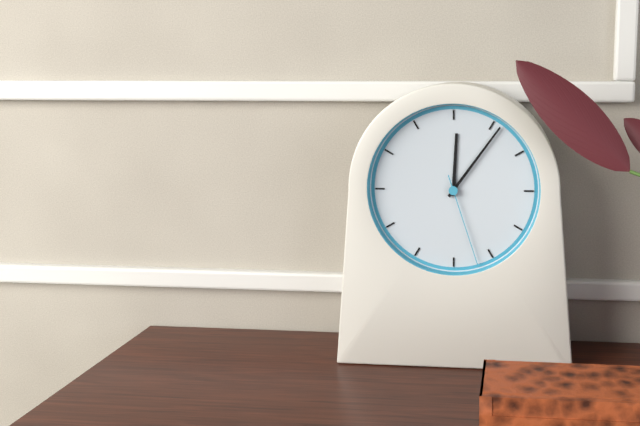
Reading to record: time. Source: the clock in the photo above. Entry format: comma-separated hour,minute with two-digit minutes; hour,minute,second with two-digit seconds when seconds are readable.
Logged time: 12,06,27
